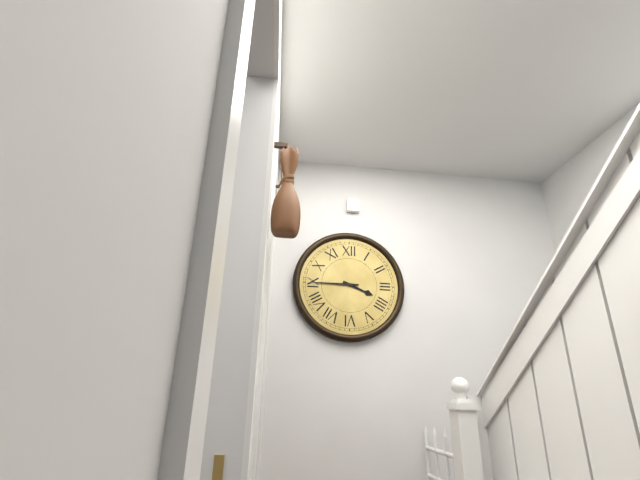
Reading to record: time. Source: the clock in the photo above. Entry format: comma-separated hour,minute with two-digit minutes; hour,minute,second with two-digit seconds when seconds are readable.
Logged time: 3,45
